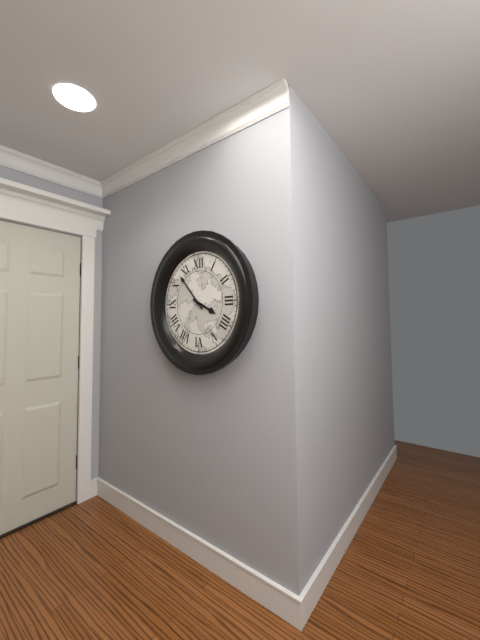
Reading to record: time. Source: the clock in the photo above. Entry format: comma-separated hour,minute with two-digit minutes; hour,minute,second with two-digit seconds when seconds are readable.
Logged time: 3,53
